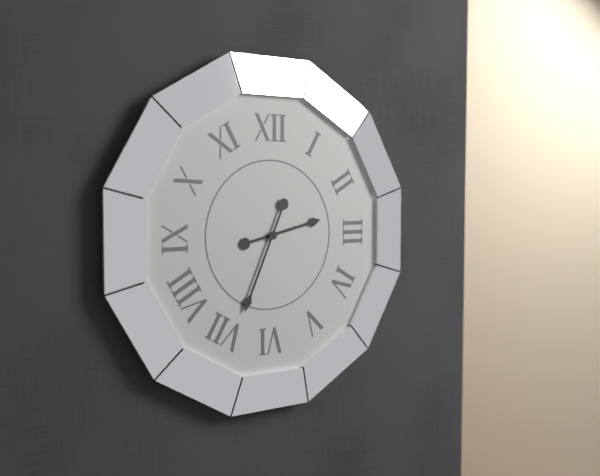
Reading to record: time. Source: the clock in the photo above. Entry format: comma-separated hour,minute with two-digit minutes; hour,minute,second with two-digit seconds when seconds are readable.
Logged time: 2,34
